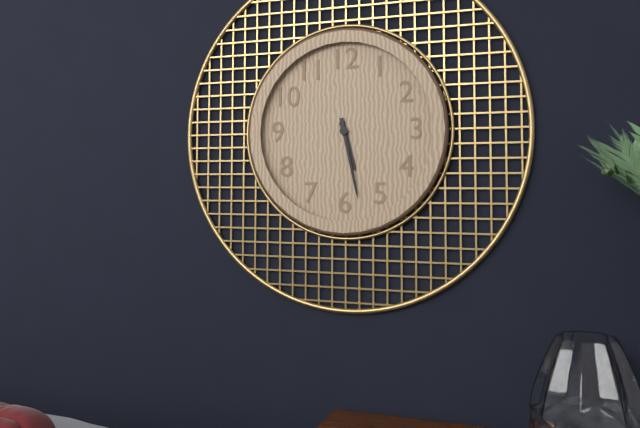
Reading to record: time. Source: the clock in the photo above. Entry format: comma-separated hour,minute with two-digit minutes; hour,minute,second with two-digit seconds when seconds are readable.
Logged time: 5,28
